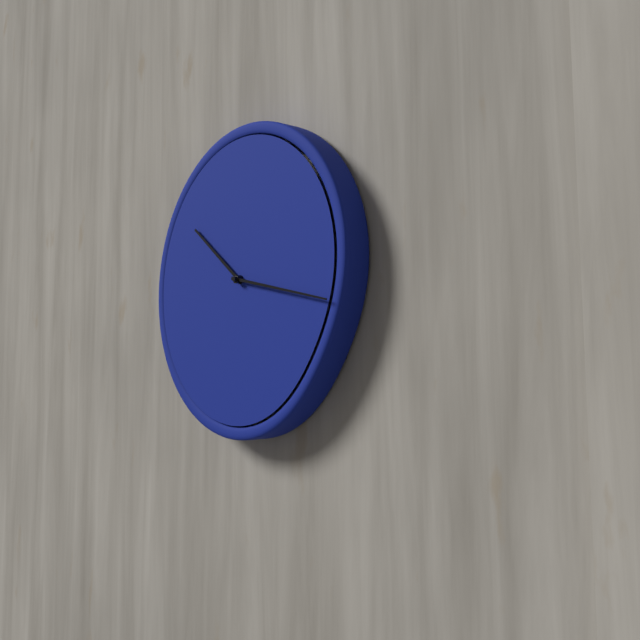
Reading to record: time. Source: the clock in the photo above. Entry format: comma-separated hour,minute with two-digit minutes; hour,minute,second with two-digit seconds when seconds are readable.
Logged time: 10,17
